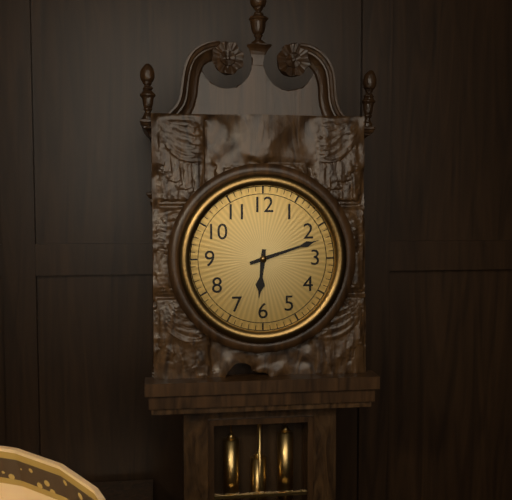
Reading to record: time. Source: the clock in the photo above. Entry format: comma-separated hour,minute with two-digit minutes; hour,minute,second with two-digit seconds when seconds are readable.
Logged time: 6,12
